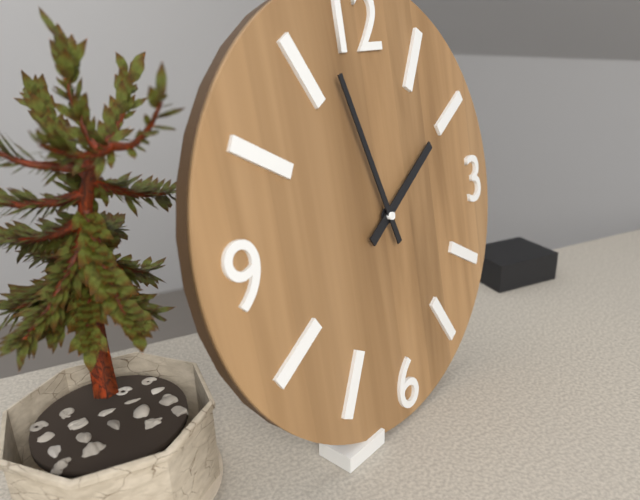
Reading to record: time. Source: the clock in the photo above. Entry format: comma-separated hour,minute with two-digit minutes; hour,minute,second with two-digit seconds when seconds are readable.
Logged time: 1,57
